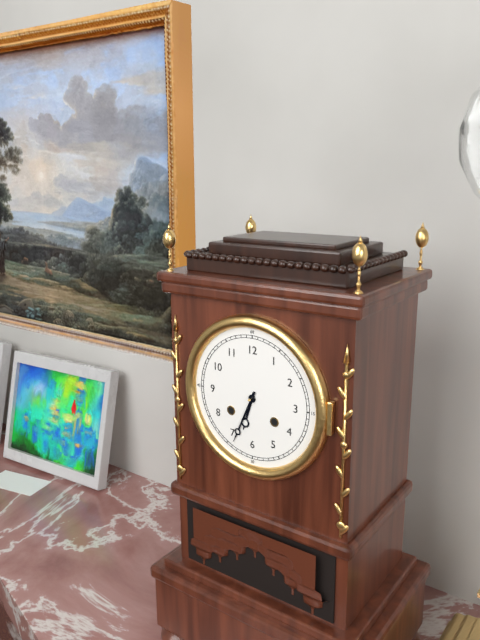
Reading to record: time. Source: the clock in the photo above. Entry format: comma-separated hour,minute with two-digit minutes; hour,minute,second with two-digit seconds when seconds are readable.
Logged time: 6,34
